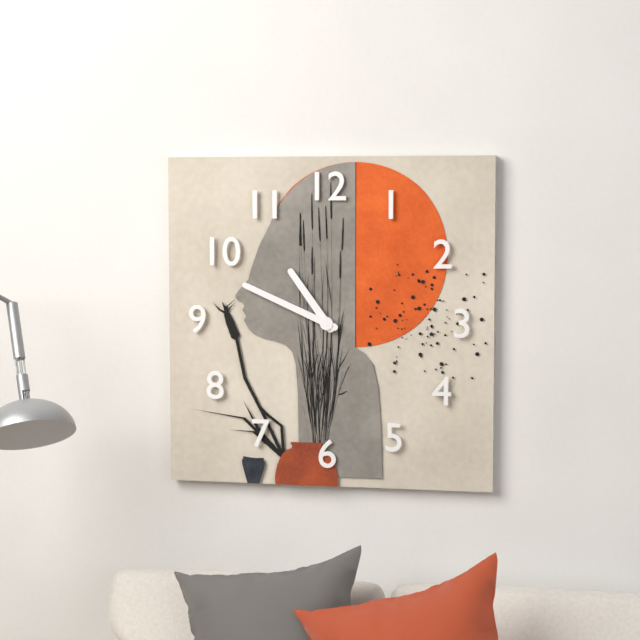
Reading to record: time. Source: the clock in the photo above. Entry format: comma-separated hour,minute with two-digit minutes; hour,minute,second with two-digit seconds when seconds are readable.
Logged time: 10,49
